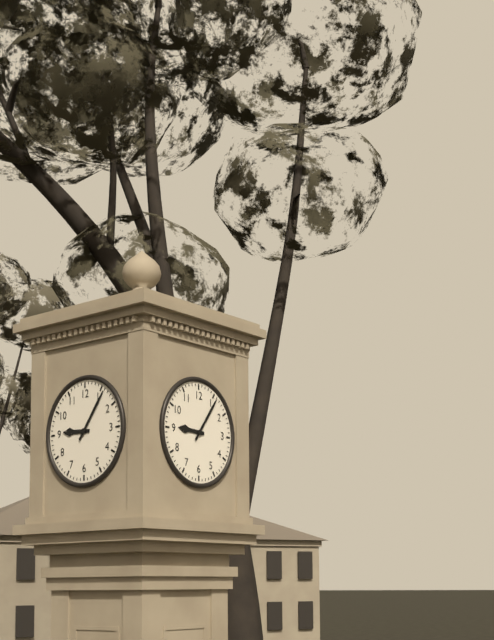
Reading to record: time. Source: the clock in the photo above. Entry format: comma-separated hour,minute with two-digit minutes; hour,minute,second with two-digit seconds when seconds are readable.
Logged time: 9,06
